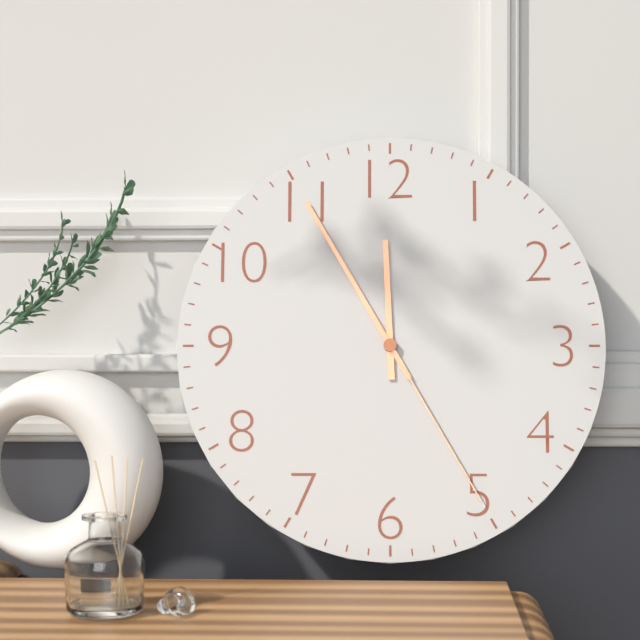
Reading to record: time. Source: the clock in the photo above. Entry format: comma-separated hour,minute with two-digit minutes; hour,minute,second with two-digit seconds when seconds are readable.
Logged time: 11,55,25
